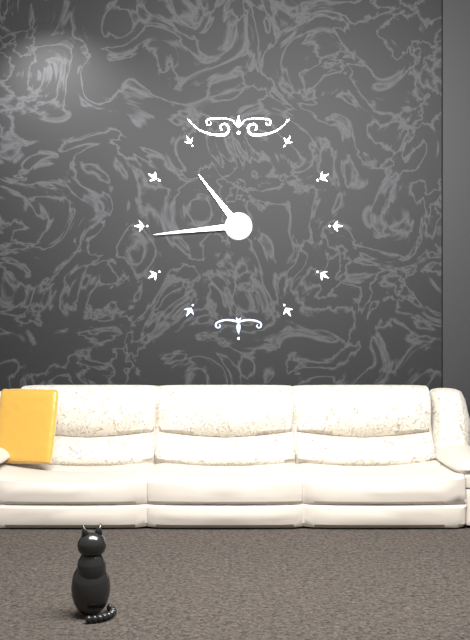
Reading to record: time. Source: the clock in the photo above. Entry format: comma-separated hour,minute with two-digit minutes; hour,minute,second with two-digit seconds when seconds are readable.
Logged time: 10,44
